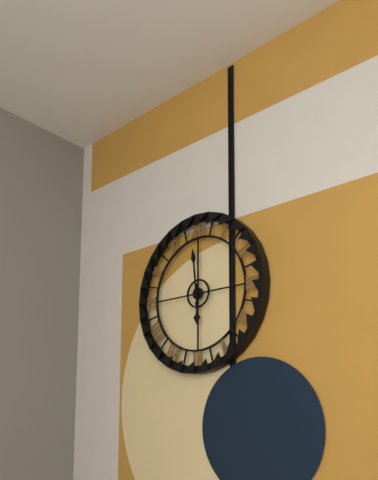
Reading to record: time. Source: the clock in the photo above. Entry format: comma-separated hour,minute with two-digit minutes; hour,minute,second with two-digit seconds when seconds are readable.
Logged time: 5,59
